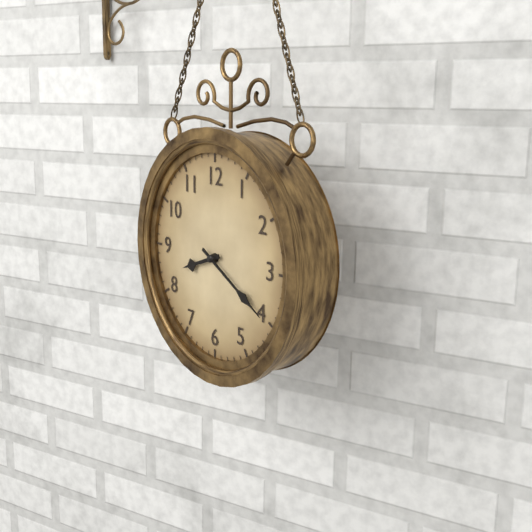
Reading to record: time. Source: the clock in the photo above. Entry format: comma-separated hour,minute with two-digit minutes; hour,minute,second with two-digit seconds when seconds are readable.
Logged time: 8,20
